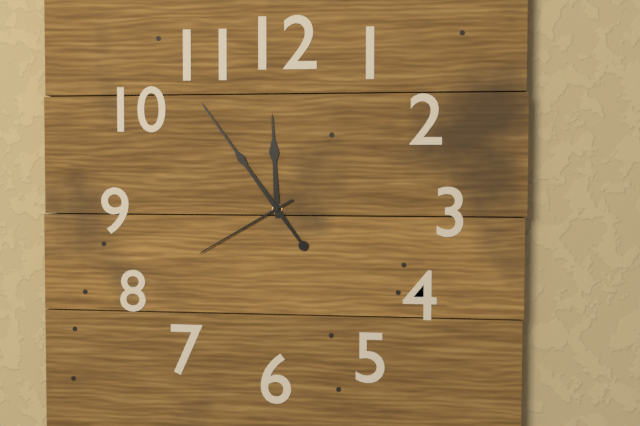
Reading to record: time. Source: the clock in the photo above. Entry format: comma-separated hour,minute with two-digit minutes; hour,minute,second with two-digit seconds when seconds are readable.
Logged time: 11,54,40
